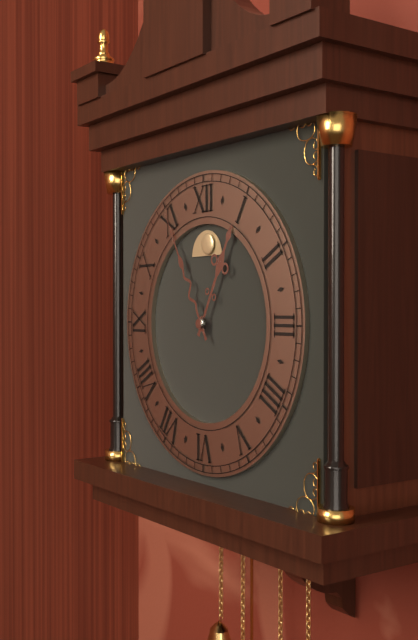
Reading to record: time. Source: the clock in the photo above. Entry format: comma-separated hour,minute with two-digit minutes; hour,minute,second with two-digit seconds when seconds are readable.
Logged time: 12,55
